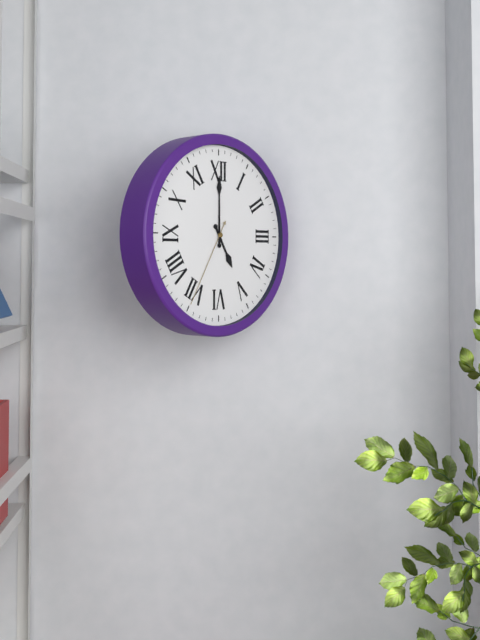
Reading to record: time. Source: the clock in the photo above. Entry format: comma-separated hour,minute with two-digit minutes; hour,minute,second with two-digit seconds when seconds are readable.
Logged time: 5,00,35
